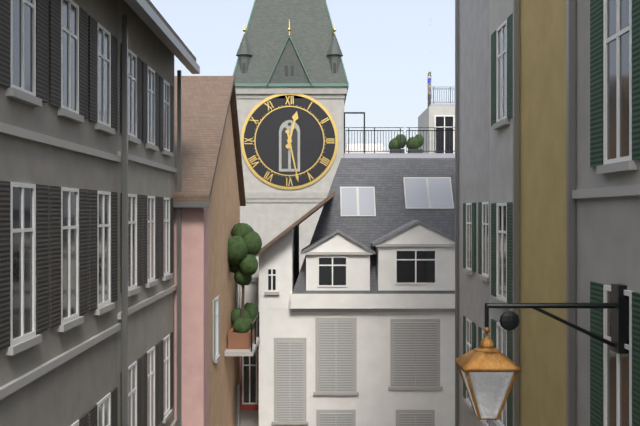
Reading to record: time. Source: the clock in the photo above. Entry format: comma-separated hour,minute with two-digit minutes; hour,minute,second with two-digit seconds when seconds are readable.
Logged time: 12,28
